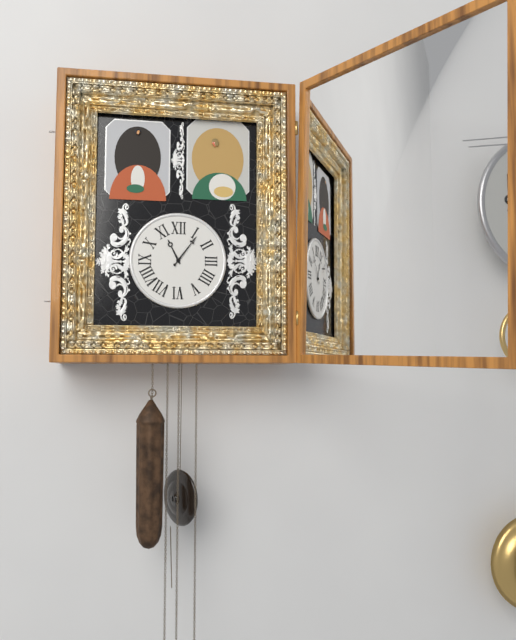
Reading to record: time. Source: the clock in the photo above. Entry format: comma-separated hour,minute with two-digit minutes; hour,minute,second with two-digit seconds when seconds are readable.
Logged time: 11,06
